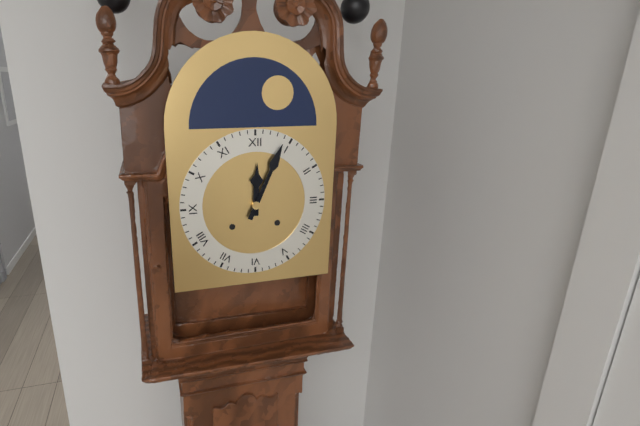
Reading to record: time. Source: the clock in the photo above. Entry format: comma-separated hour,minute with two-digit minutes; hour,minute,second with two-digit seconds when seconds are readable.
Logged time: 12,04
